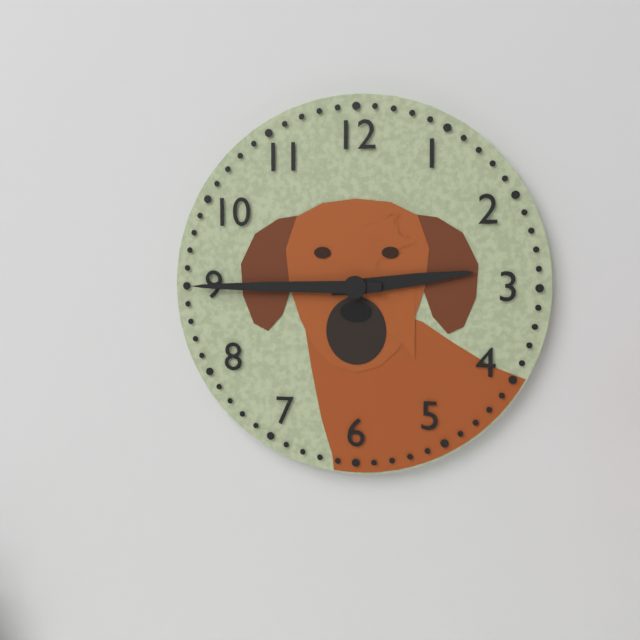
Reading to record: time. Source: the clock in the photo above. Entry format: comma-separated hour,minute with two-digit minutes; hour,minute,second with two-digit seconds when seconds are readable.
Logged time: 2,45
